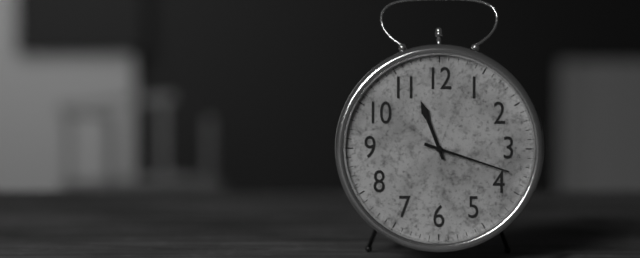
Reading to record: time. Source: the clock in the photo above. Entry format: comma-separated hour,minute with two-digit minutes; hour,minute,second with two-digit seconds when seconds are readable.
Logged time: 11,18
